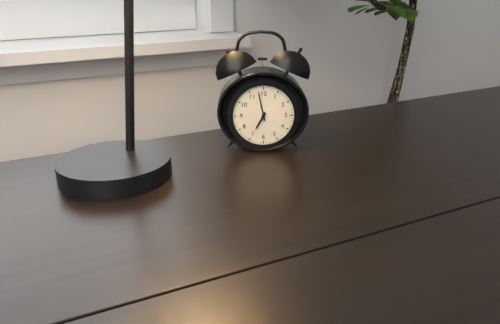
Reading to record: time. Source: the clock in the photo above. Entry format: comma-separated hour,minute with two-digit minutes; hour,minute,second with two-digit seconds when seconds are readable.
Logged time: 6,58
